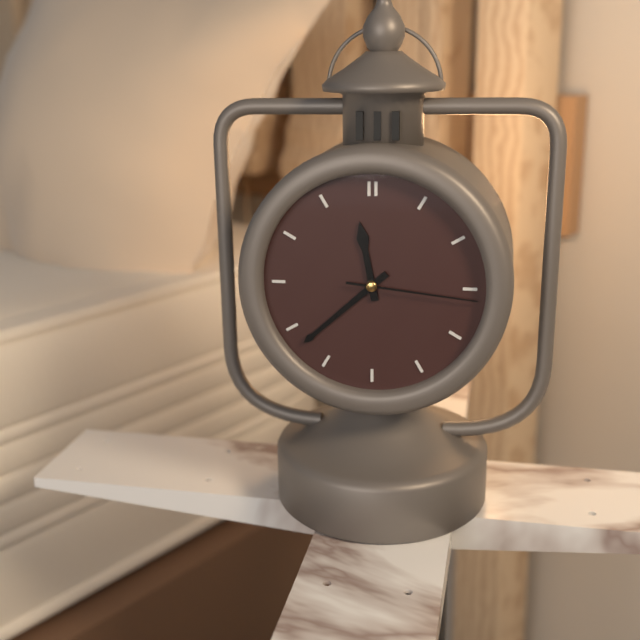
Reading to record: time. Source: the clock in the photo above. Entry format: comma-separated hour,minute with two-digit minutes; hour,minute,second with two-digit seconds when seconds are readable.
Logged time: 11,38,16
